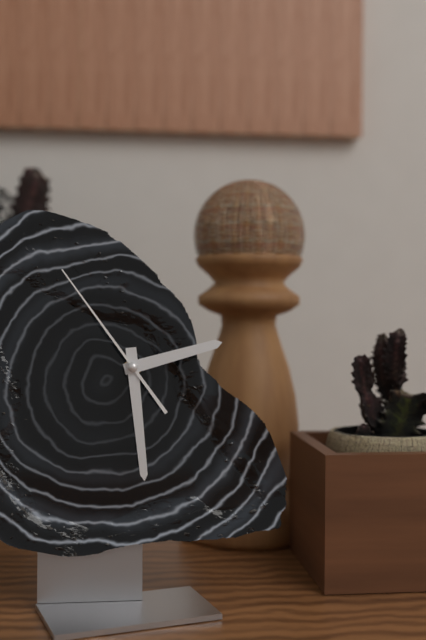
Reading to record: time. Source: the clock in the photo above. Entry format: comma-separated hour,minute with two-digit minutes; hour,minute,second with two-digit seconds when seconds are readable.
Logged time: 2,29,54
